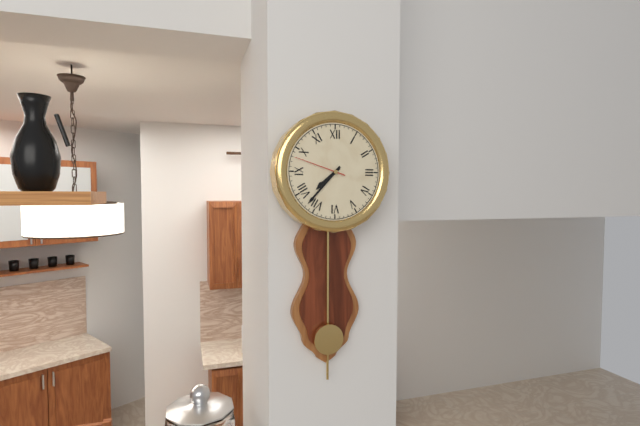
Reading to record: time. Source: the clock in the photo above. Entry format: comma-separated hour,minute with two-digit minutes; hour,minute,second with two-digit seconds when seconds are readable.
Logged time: 7,37,48
